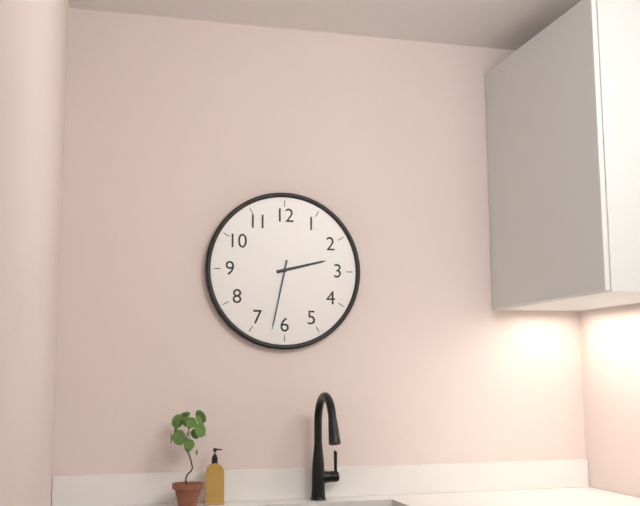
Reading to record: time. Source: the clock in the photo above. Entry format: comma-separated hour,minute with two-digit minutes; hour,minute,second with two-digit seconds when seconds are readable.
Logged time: 2,32
